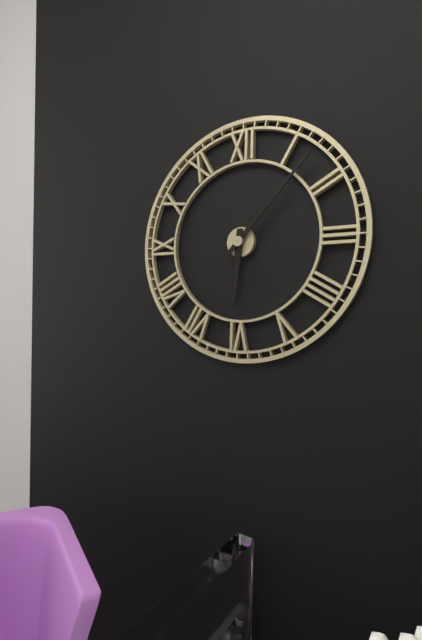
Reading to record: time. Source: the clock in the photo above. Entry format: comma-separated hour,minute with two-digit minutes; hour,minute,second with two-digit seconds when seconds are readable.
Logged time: 6,07
